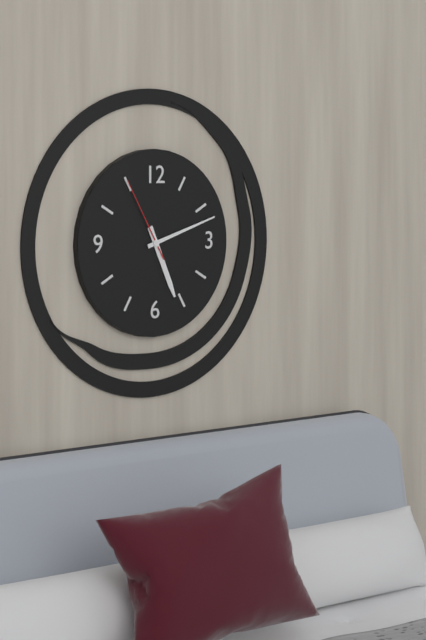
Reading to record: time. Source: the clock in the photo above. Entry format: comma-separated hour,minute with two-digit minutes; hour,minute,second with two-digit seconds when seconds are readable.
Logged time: 5,12,55
